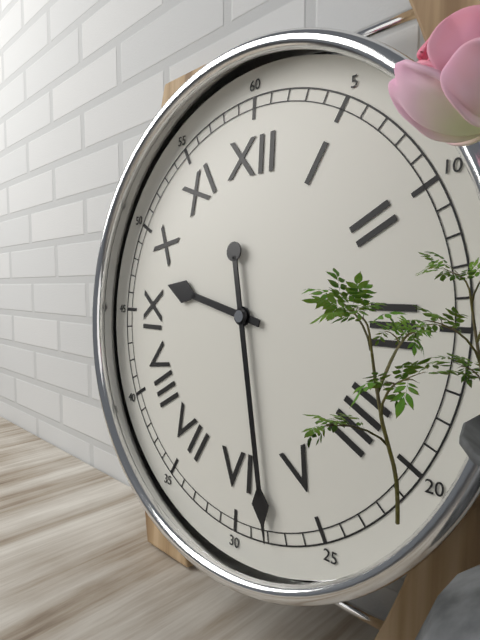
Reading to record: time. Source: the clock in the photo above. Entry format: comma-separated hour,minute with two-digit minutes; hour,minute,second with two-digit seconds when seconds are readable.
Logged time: 9,28
